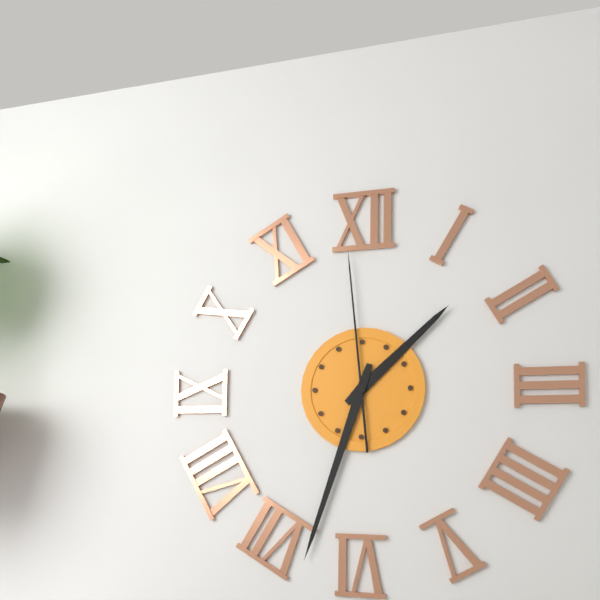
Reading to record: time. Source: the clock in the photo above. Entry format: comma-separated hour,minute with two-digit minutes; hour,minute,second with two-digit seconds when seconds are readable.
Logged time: 1,33,59
